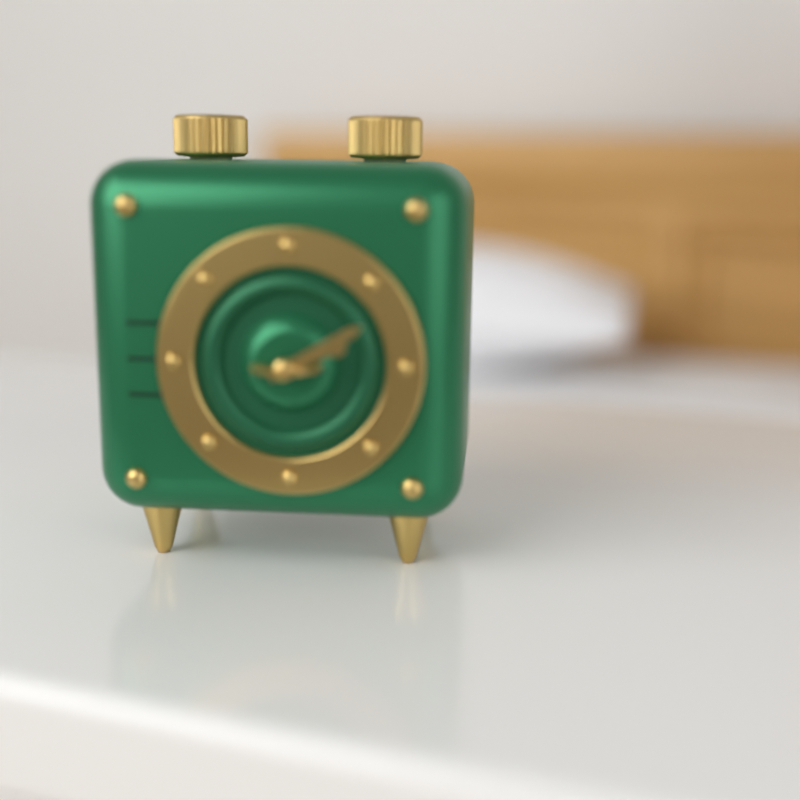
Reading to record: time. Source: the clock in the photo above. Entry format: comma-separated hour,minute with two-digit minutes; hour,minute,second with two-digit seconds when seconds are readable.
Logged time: 2,10
